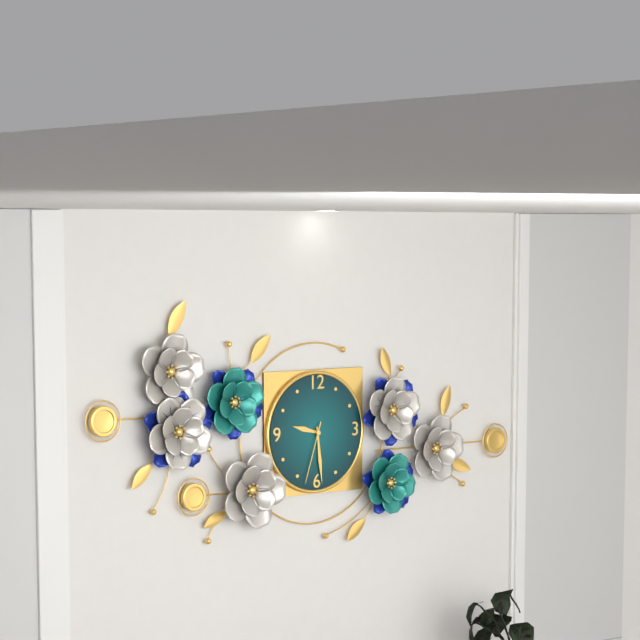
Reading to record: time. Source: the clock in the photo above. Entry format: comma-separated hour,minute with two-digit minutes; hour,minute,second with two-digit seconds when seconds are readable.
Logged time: 9,29,33
